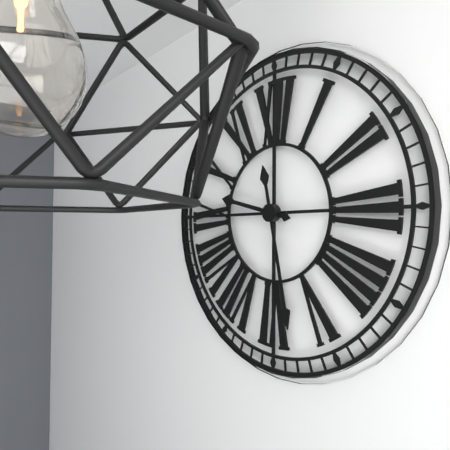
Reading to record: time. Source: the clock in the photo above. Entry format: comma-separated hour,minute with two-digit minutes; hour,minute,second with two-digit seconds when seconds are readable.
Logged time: 9,28
